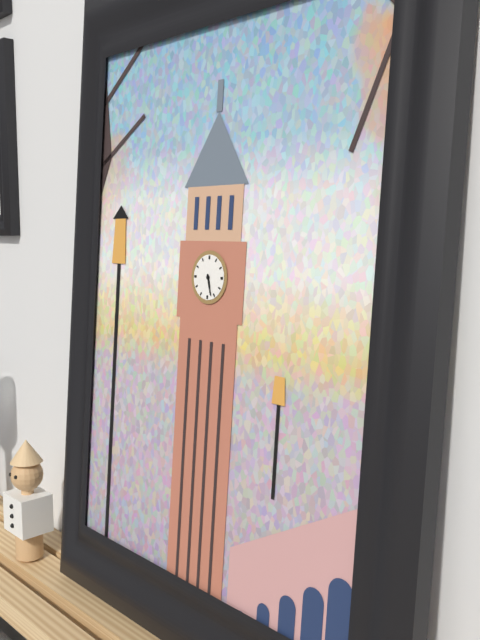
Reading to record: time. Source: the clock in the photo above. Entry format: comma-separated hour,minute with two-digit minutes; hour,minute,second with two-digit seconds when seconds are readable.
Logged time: 5,27
